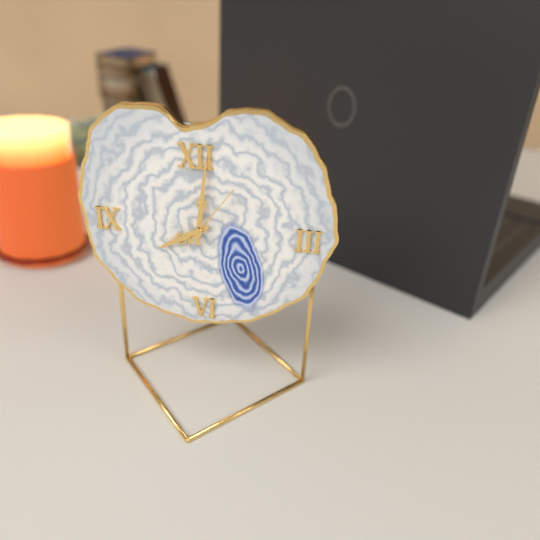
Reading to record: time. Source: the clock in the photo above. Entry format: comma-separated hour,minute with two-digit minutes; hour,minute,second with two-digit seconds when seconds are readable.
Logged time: 8,01,06
